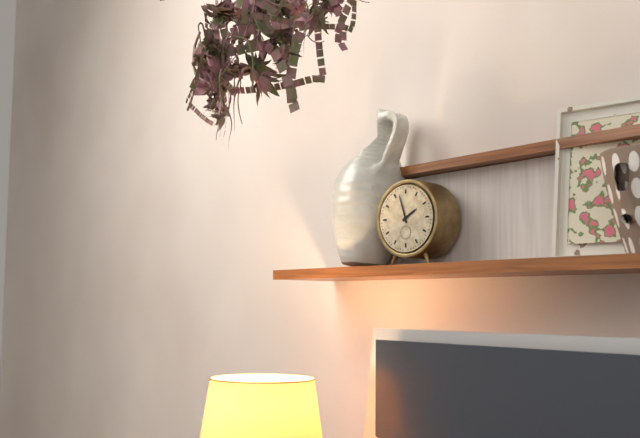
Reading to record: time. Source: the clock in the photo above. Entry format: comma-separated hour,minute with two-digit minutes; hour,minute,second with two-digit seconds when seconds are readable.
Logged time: 1,57
